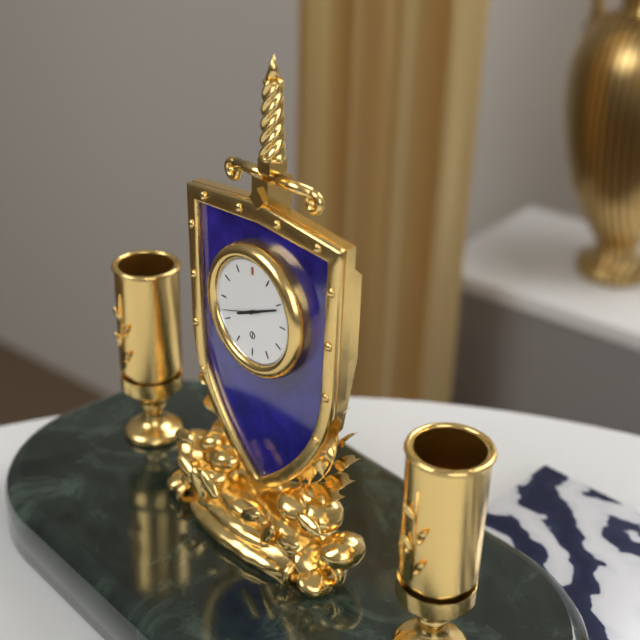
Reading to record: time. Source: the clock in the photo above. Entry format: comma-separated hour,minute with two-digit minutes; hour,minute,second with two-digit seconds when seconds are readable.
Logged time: 8,11
